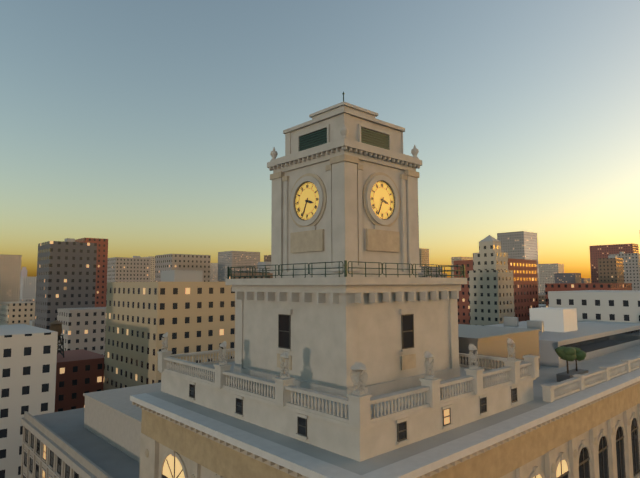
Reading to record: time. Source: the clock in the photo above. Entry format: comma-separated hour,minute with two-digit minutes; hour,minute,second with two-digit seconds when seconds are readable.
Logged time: 3,34
